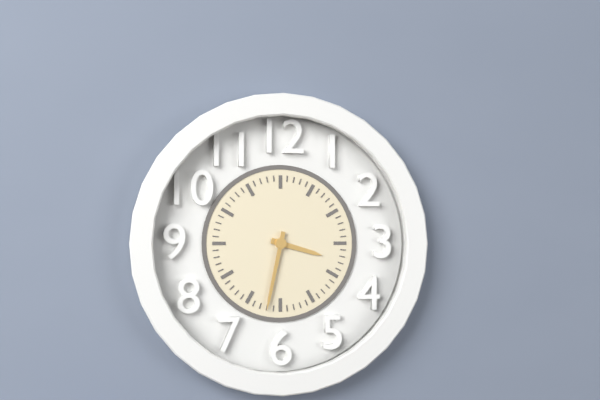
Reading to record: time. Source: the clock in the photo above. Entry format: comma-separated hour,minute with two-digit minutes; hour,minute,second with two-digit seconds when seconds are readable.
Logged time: 3,32
